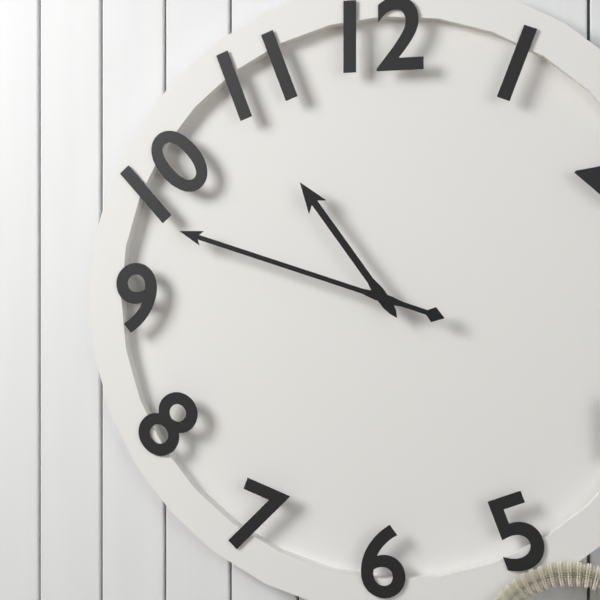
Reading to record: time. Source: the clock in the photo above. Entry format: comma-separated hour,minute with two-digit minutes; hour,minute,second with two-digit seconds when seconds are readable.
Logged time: 10,48
